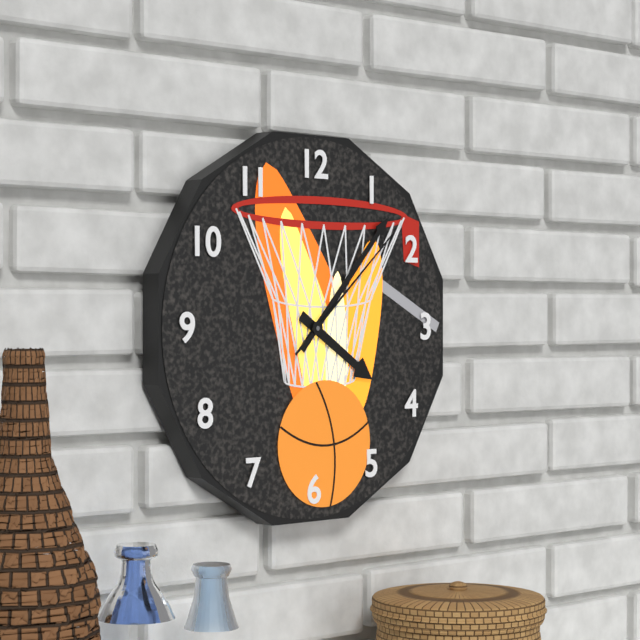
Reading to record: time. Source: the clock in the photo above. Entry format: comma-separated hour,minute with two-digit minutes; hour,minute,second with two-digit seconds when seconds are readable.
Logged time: 4,07,08
